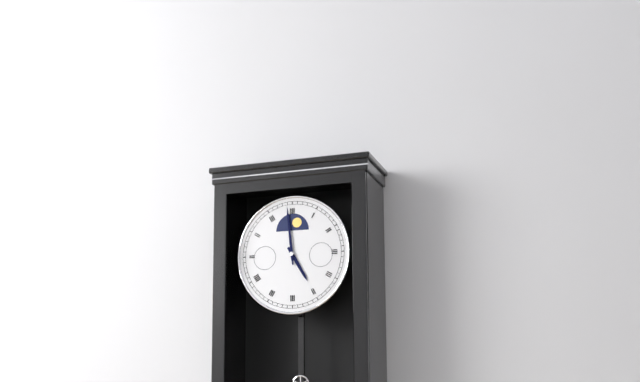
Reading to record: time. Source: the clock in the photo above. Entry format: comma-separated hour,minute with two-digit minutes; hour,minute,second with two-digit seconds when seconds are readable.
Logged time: 4,59
